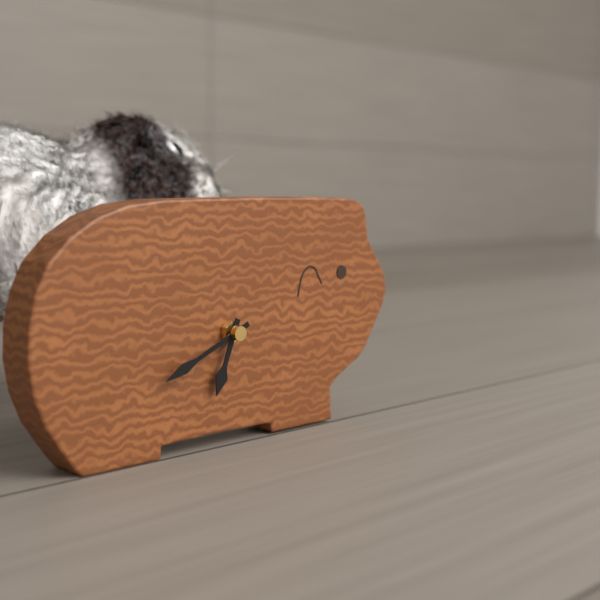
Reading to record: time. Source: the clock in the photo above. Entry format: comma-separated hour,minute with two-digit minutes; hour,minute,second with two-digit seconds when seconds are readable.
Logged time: 6,41
